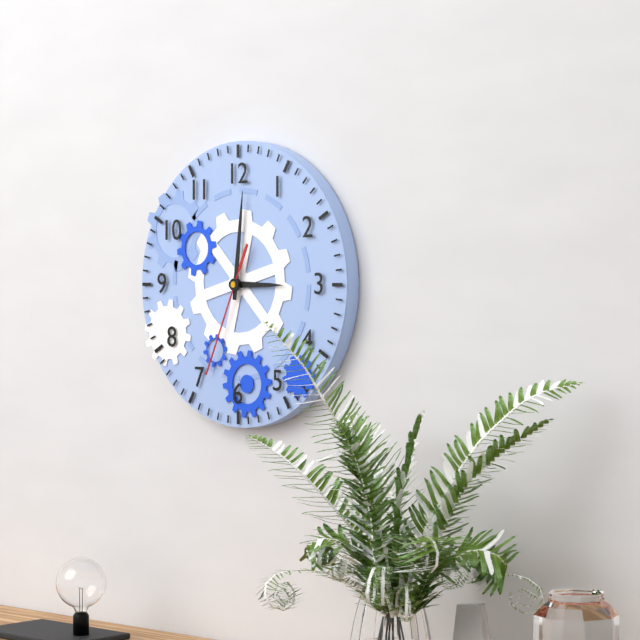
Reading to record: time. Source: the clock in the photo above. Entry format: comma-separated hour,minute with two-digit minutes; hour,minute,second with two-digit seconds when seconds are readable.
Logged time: 3,01,34
